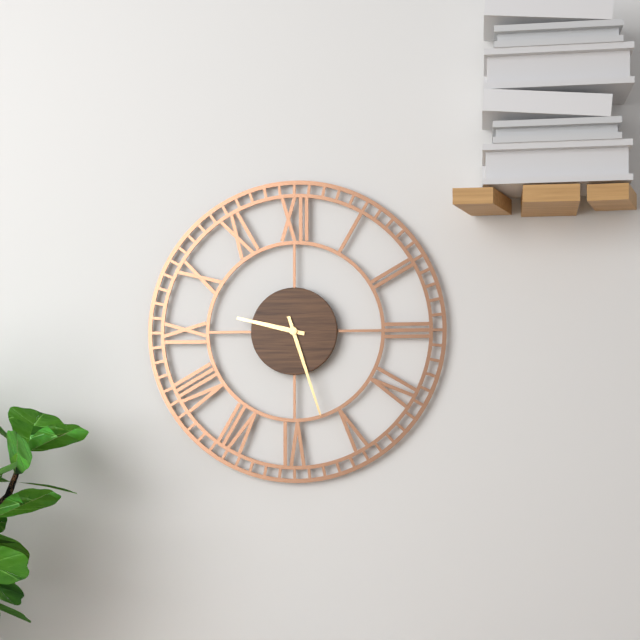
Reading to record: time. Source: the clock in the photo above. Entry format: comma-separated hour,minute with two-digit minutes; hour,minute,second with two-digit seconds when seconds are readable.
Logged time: 9,27
